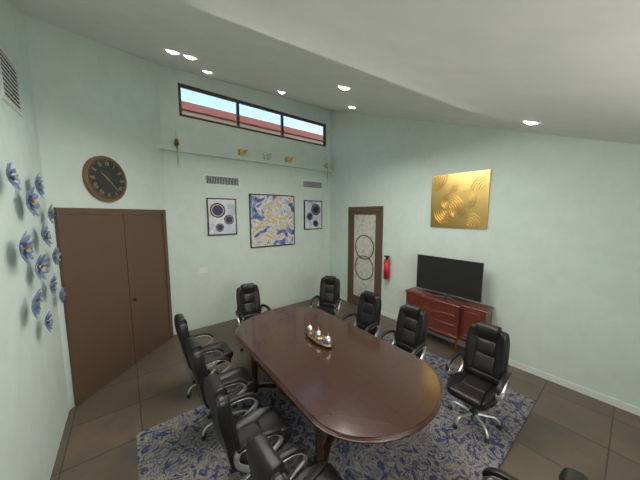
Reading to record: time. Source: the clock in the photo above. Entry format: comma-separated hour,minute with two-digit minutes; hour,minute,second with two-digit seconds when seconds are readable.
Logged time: 10,23
